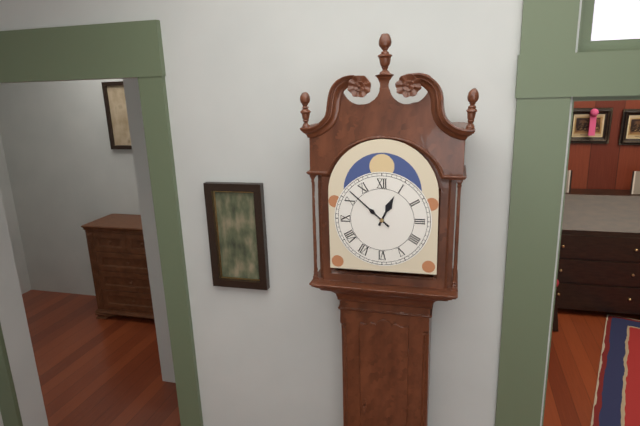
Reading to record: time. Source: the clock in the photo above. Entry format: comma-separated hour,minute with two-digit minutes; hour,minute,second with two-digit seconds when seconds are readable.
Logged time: 12,52
